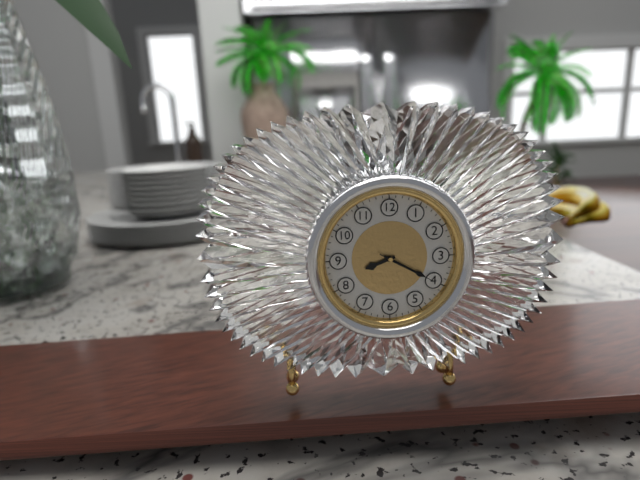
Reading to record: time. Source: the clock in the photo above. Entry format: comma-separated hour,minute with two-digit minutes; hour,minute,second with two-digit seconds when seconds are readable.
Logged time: 8,20,20
